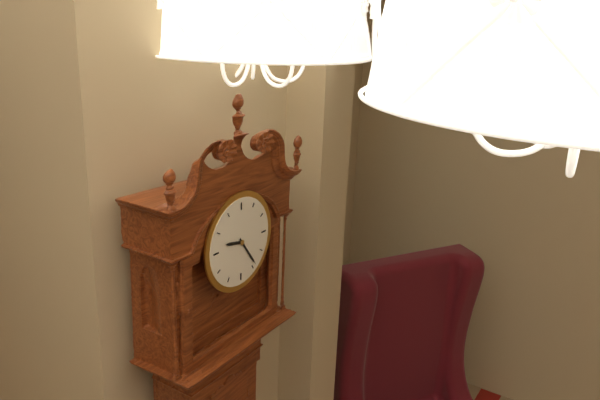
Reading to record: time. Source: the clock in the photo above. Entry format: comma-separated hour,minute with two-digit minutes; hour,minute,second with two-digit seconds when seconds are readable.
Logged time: 9,24
